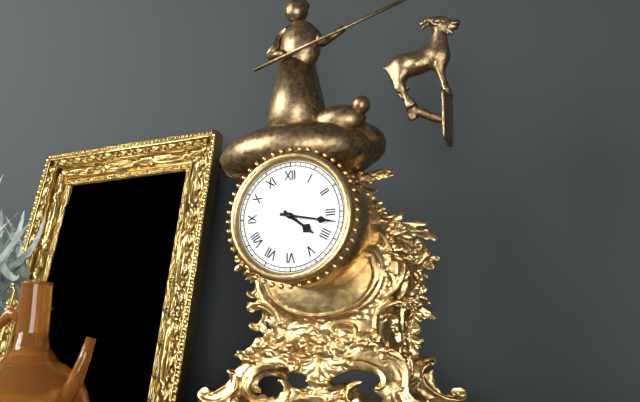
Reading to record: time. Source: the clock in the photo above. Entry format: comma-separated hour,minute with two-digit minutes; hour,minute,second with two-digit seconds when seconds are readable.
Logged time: 4,17
